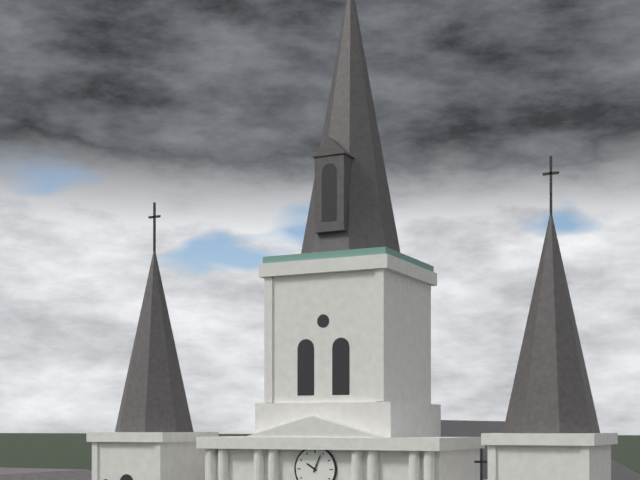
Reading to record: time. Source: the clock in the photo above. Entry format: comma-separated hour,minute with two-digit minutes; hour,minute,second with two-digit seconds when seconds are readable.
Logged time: 10,04
